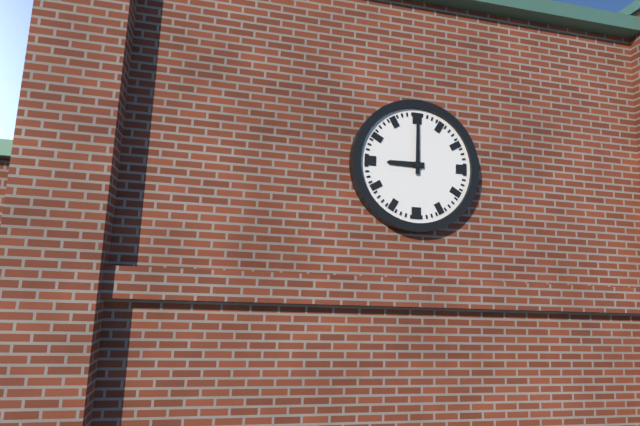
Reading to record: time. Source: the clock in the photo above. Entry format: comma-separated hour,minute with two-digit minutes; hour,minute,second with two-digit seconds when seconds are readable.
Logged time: 9,00
